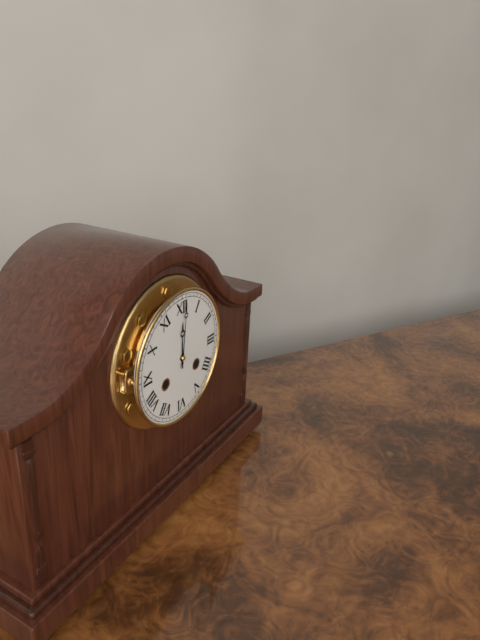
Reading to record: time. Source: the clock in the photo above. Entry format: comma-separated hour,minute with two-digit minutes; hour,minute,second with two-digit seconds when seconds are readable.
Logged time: 12,01
